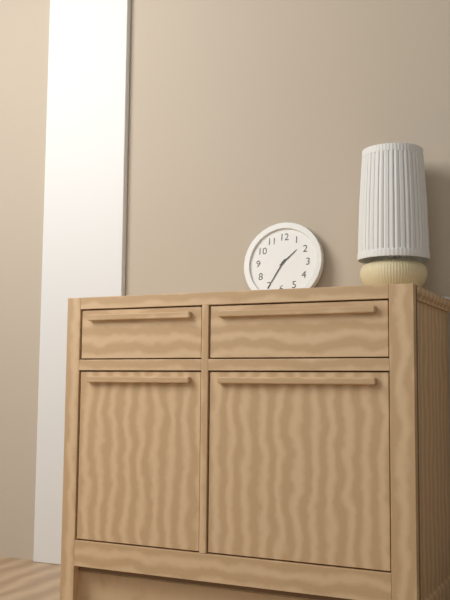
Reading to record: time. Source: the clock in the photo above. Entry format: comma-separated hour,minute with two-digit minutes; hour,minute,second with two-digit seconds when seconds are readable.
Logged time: 1,35
